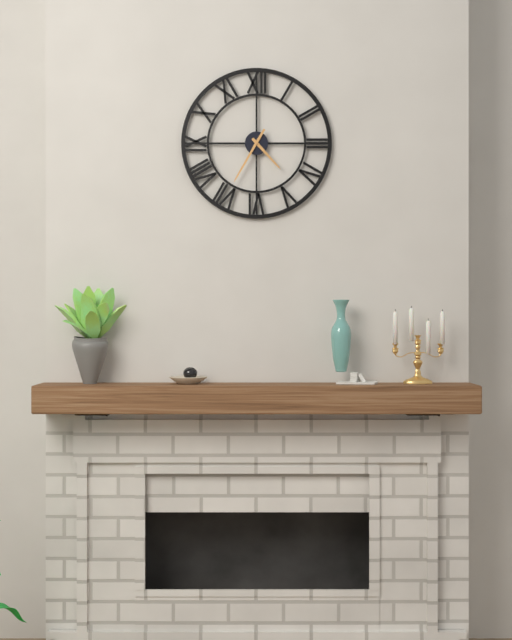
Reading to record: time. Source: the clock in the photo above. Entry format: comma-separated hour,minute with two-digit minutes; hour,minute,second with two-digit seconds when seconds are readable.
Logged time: 4,35
